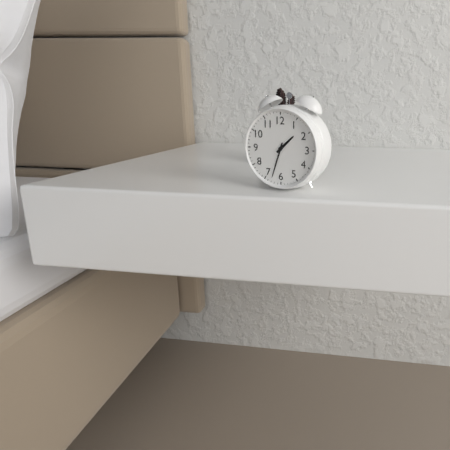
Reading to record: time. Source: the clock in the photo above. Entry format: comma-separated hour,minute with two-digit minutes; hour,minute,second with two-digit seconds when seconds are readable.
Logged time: 1,33
